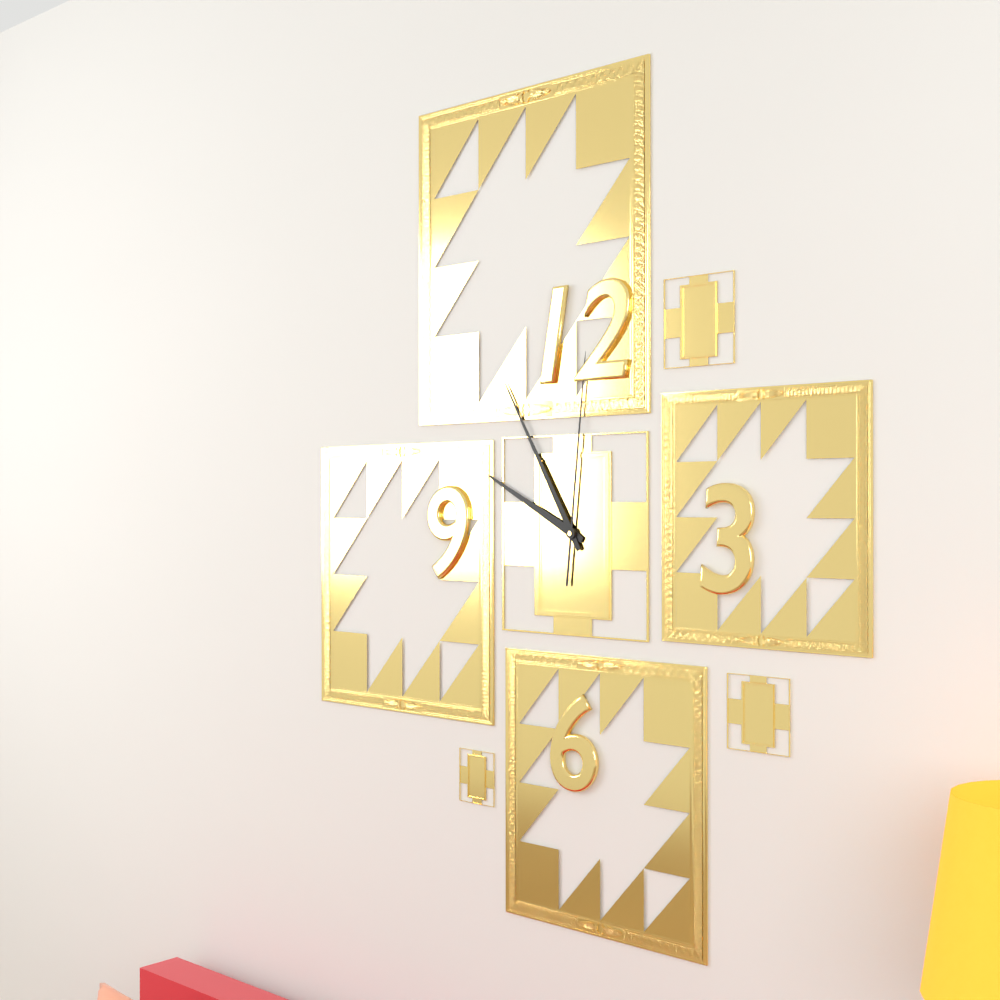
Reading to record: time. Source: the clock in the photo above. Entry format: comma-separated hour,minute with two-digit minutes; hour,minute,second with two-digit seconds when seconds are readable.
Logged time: 9,55,01
